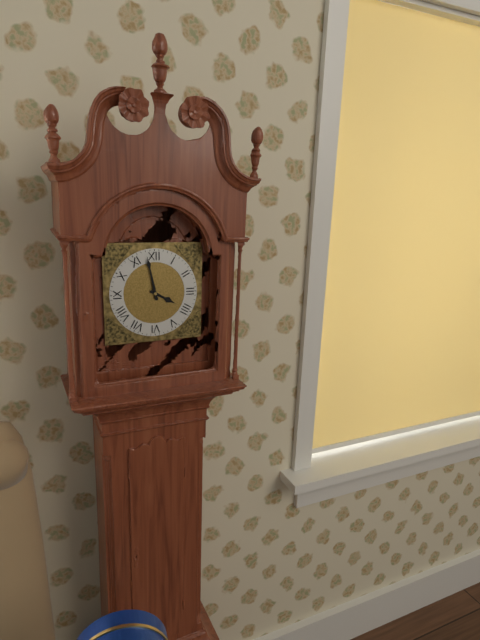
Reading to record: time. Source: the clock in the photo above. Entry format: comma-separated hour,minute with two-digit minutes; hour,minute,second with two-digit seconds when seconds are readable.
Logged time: 3,58
